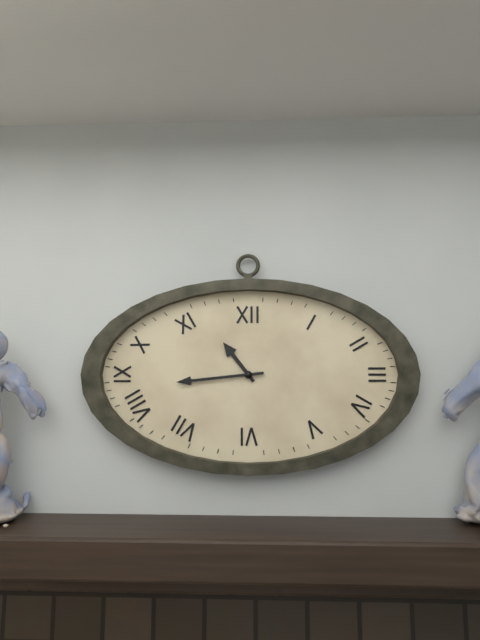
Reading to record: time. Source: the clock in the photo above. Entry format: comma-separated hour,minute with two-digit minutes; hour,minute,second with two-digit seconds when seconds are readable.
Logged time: 10,44
